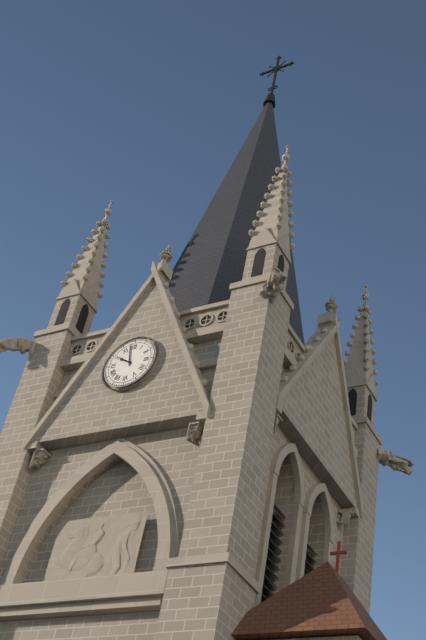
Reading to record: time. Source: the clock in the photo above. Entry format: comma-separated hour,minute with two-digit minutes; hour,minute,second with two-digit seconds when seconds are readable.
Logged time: 9,58
